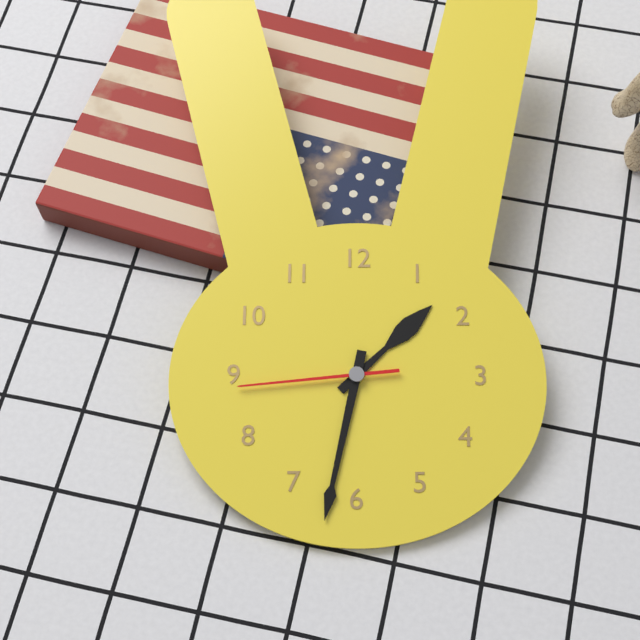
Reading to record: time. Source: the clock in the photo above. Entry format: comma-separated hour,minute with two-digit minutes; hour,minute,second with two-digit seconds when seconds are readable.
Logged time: 1,32,44
